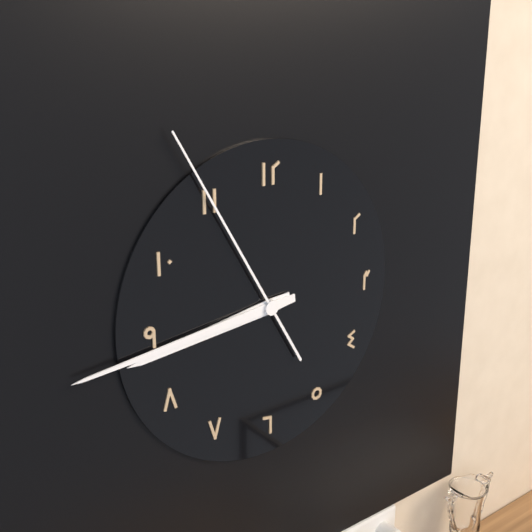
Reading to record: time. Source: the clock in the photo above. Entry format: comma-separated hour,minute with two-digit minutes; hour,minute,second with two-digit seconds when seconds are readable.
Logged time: 8,44,55
